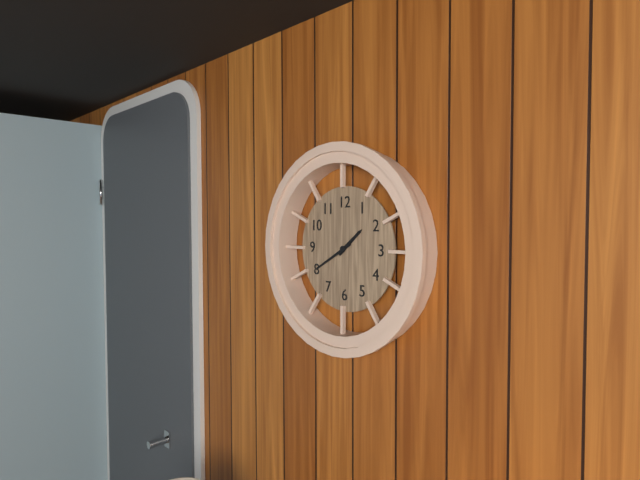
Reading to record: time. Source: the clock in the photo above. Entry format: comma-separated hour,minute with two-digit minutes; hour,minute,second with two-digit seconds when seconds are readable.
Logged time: 1,40
